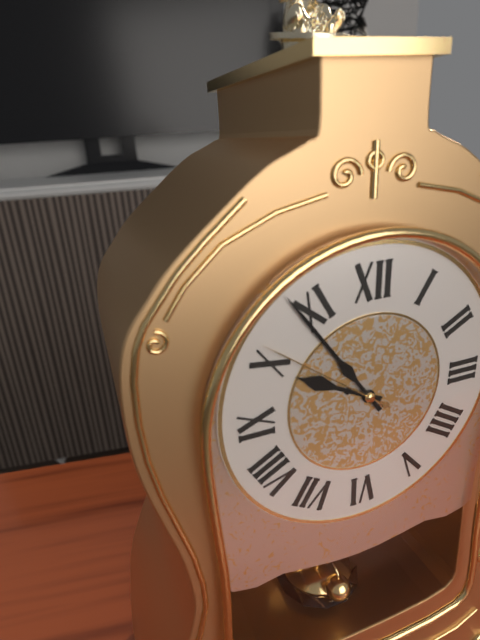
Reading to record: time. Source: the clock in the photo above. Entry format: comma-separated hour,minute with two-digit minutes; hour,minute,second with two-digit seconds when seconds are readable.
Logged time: 9,54,51
